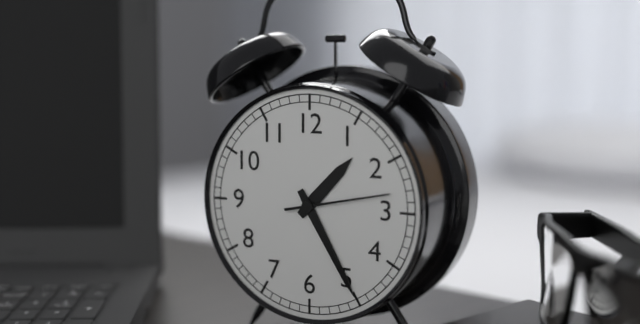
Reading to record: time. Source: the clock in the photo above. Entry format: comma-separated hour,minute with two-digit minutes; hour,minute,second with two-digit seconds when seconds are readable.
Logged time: 1,25,13
